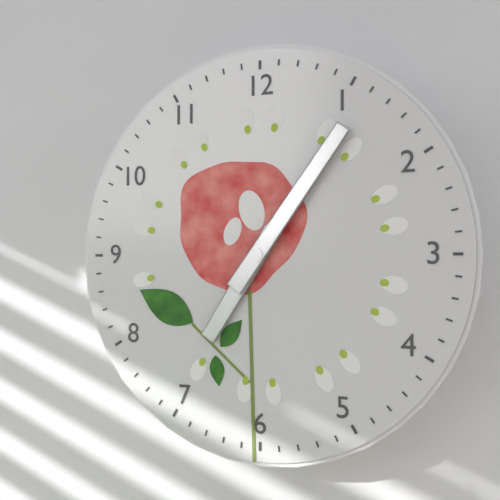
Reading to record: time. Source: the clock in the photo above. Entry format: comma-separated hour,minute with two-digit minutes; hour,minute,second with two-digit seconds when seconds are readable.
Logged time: 7,06
